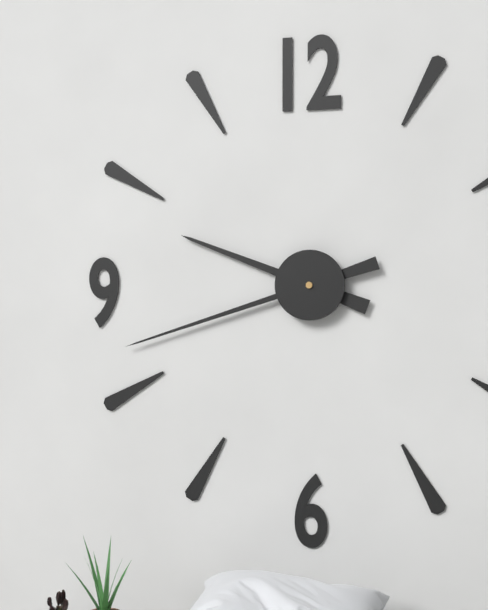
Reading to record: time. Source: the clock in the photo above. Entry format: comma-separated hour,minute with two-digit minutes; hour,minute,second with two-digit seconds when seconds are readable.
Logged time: 9,42
